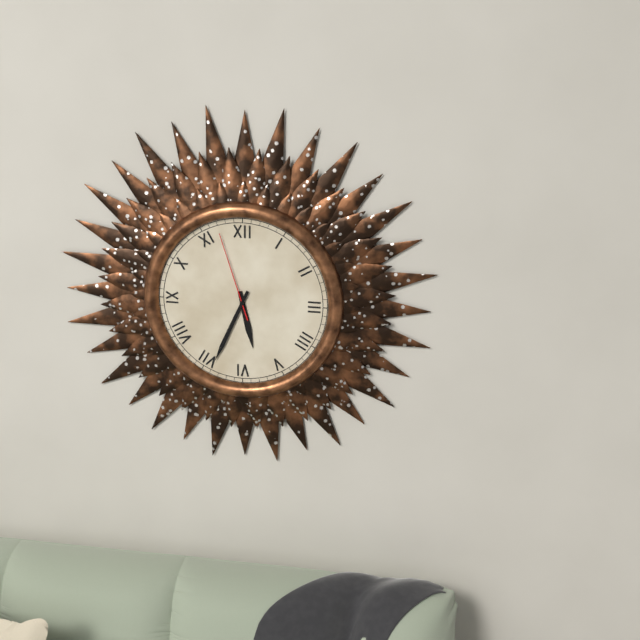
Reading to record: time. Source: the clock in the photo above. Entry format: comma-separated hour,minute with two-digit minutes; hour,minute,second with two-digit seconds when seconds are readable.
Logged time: 5,34,57
